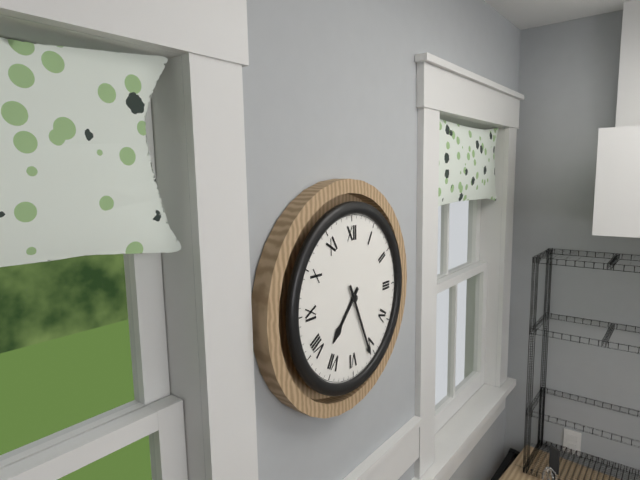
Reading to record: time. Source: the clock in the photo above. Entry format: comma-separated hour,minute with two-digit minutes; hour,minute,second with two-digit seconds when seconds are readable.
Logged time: 7,26
